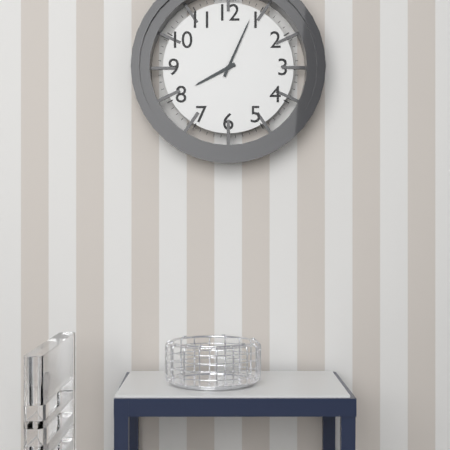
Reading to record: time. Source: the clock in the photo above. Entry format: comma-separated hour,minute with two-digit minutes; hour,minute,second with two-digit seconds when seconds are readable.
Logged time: 8,04
